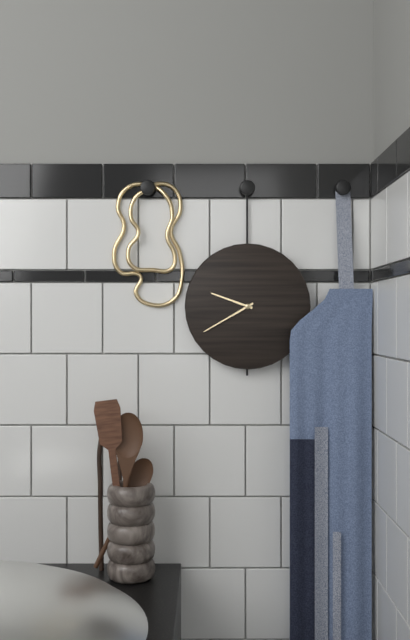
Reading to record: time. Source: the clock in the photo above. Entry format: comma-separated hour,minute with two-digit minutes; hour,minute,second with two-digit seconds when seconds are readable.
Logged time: 9,40
